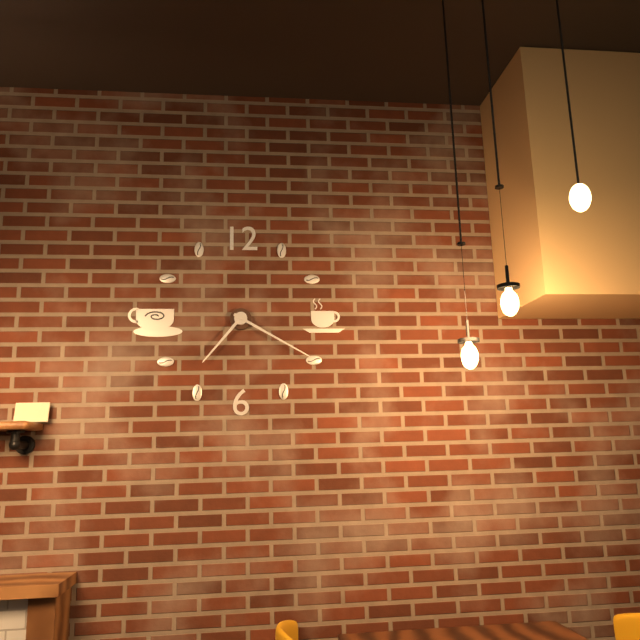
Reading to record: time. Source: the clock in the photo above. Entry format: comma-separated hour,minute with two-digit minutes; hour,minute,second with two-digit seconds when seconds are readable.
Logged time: 7,20
